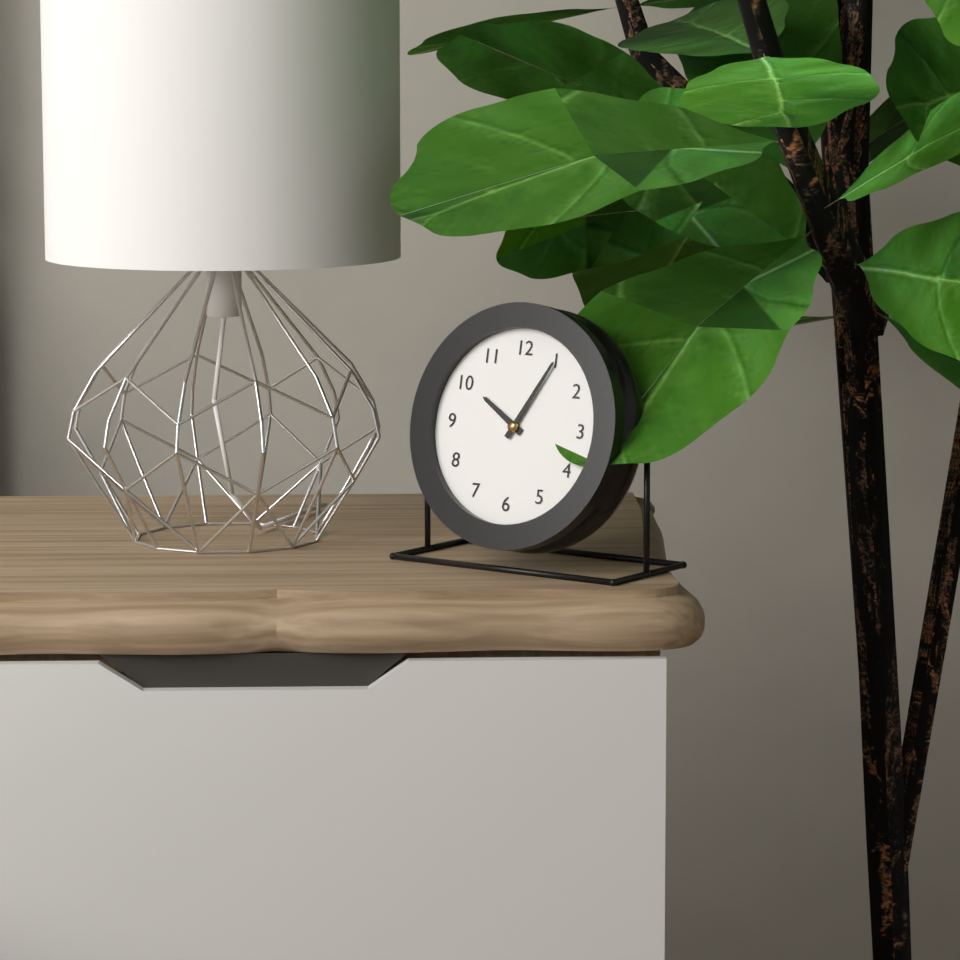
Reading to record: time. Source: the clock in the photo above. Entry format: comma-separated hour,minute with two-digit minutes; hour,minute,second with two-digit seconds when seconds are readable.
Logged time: 10,05
